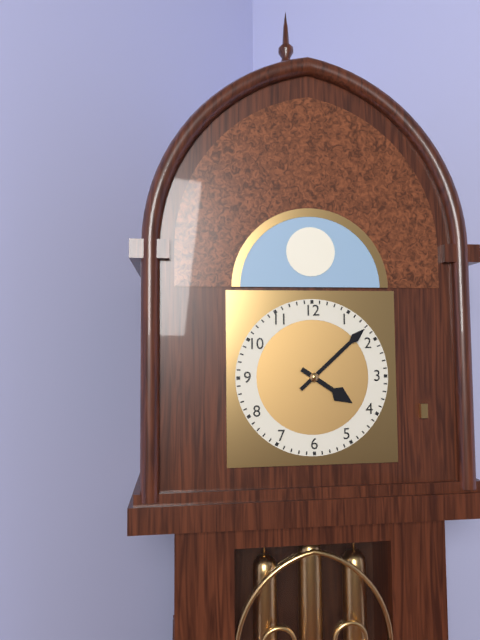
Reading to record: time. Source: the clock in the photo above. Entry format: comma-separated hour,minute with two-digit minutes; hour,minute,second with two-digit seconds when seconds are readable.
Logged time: 4,08
